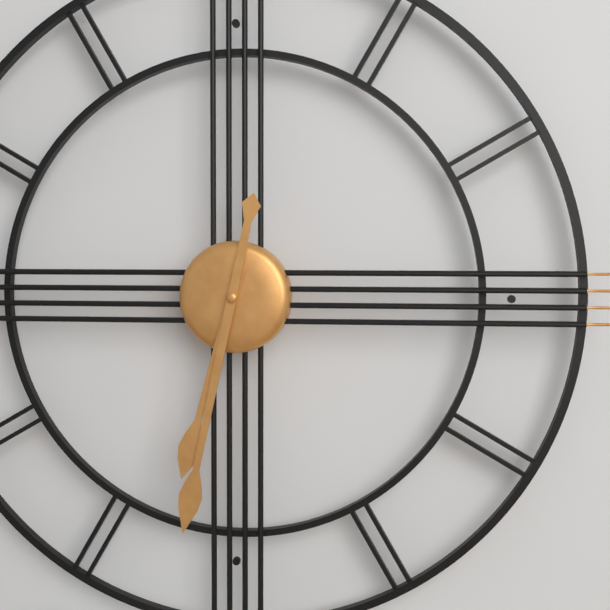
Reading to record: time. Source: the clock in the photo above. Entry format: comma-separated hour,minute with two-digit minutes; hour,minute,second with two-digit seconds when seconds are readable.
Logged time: 6,32
